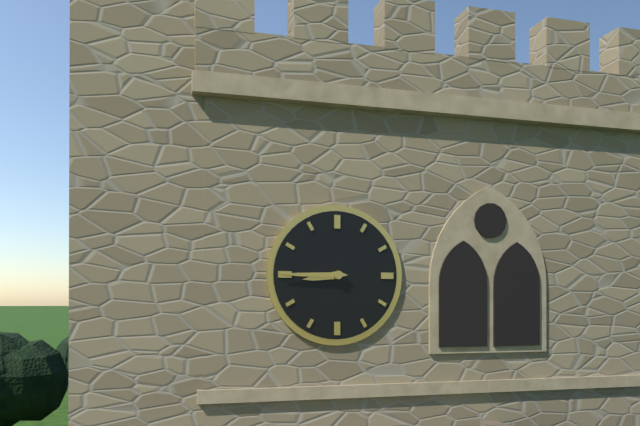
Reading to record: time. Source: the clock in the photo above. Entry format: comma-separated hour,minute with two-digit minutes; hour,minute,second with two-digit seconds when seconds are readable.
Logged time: 8,45
